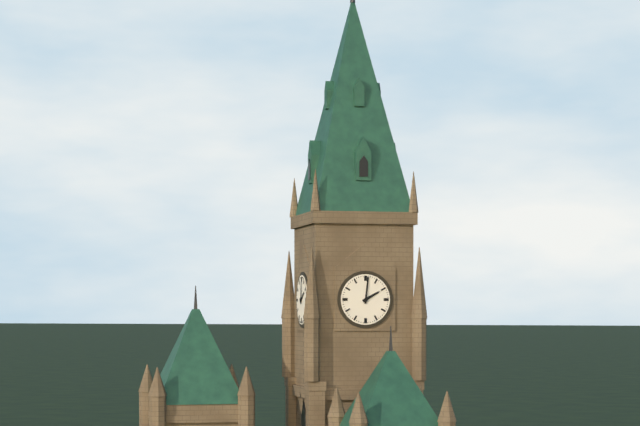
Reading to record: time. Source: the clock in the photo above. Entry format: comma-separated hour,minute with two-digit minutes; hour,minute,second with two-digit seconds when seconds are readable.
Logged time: 2,01
